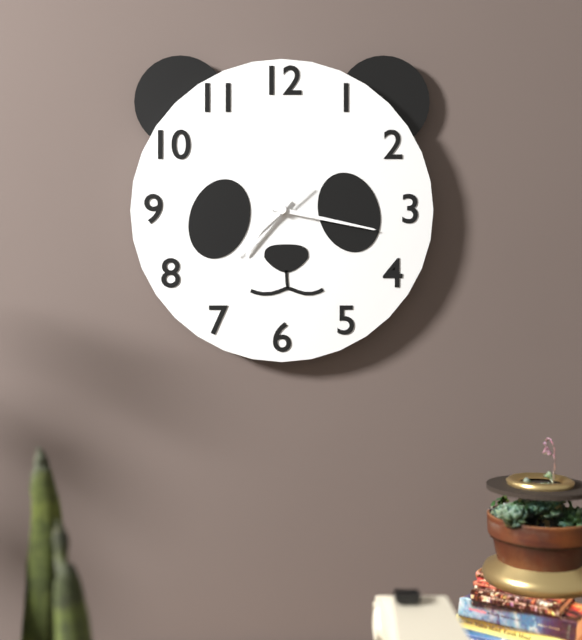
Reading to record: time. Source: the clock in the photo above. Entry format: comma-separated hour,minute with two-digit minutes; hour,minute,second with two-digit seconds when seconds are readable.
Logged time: 7,17,38
